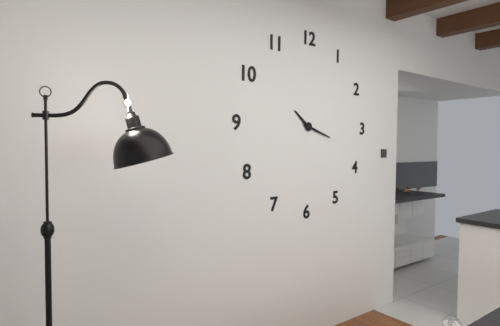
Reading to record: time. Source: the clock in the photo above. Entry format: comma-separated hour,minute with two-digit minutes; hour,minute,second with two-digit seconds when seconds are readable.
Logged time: 10,18
